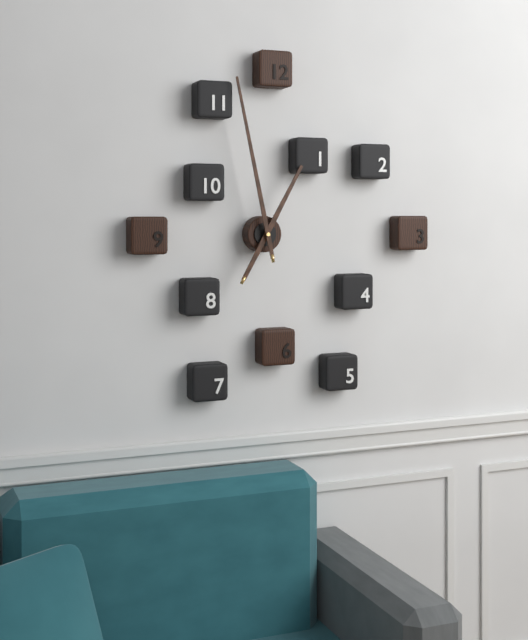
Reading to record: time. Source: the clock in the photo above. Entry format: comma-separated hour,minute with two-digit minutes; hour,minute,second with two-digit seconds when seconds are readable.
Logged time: 12,58
